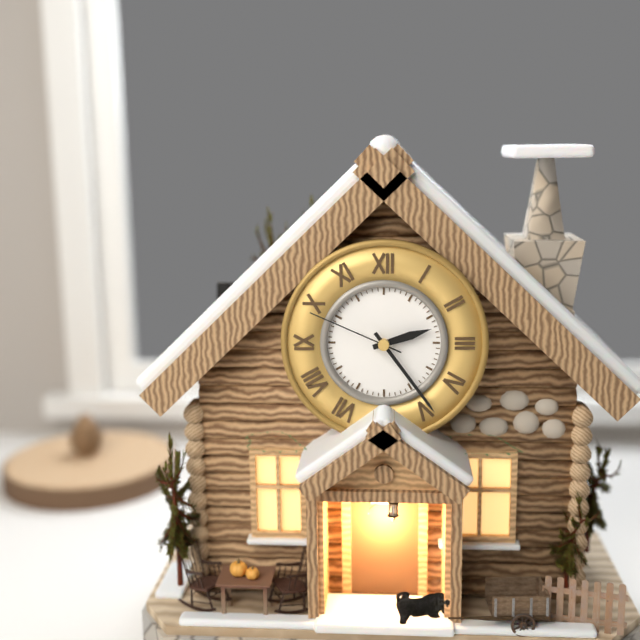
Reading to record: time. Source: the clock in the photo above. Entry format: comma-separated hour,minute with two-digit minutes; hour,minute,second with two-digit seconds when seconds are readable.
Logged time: 2,24,49
